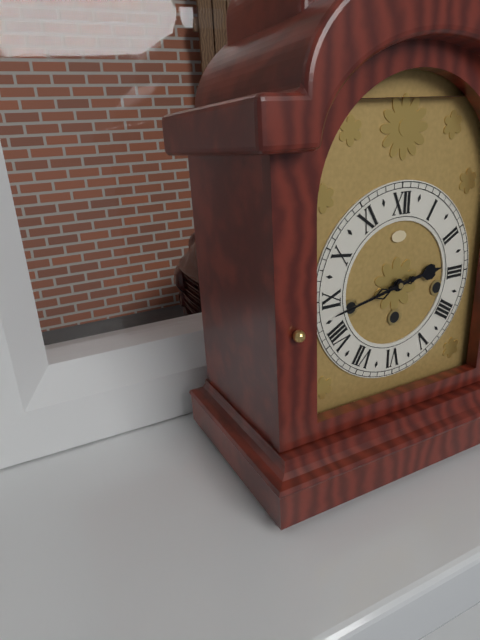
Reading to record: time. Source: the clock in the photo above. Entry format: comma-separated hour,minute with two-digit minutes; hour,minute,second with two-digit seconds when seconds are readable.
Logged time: 2,43
